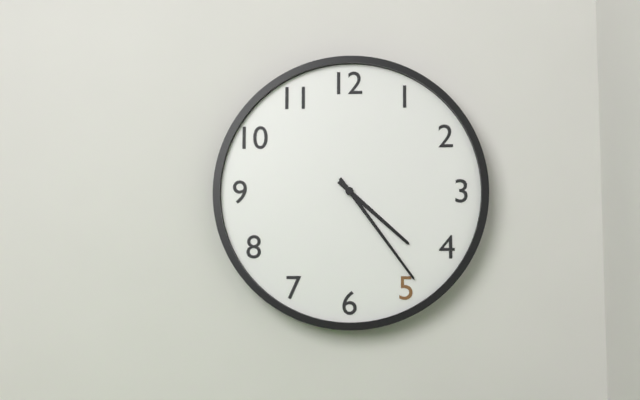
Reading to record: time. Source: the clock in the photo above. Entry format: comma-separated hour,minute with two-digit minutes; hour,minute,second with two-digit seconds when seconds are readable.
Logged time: 4,24
